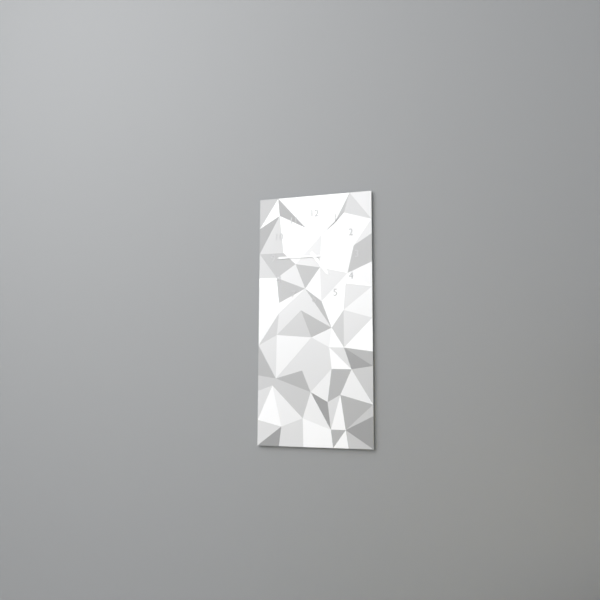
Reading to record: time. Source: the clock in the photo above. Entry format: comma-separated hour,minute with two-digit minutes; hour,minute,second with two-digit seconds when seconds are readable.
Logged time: 4,45
